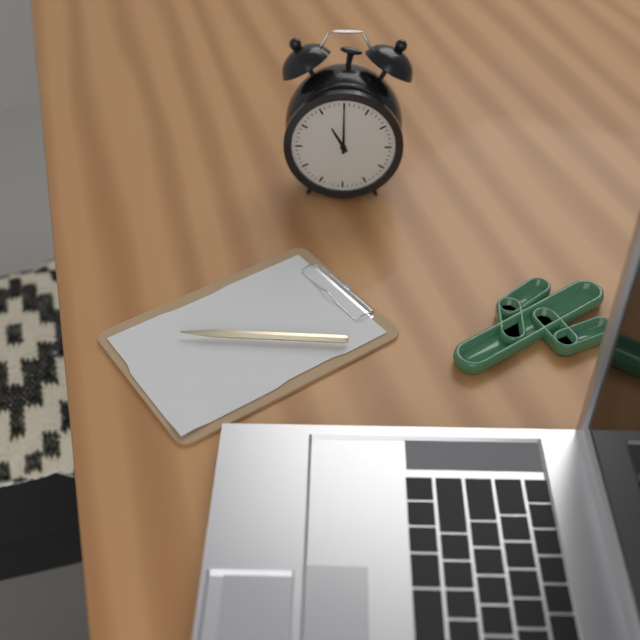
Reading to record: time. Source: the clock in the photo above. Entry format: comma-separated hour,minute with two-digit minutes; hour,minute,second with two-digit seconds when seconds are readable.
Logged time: 11,00
